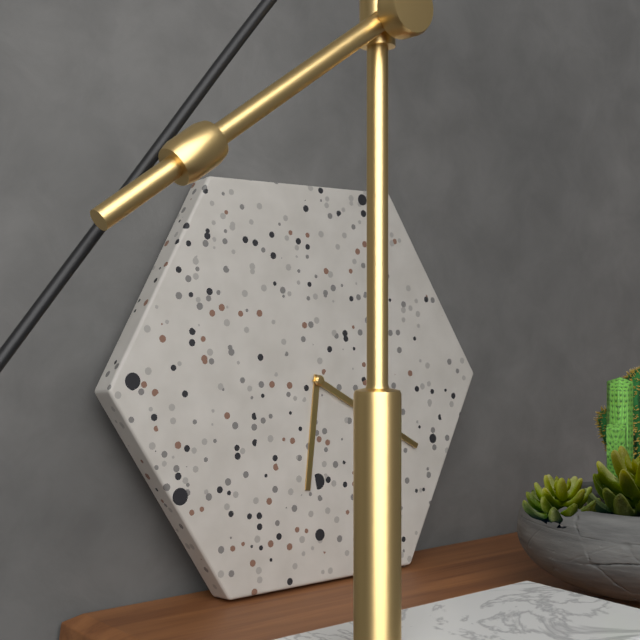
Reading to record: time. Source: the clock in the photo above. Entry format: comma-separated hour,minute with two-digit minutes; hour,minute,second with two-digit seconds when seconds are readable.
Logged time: 6,20
